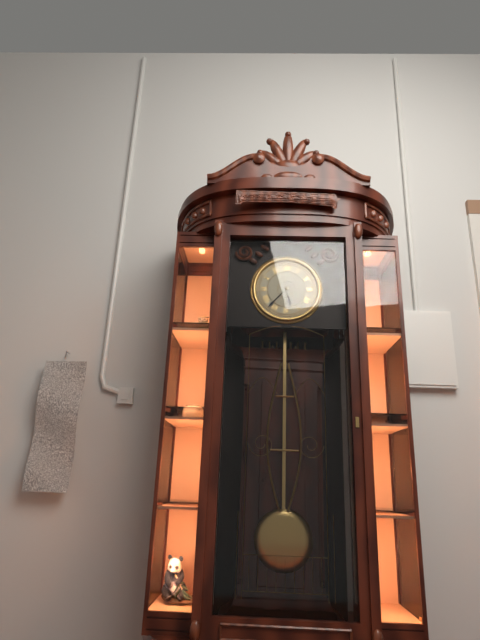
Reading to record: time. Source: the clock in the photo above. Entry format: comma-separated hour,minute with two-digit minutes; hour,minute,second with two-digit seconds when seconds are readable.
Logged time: 5,37
